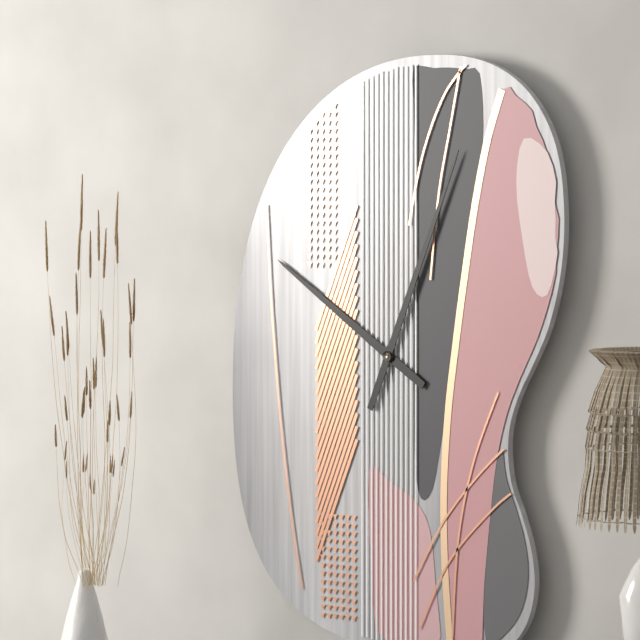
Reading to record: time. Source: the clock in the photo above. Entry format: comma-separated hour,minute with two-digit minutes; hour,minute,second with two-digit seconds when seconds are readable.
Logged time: 10,04
